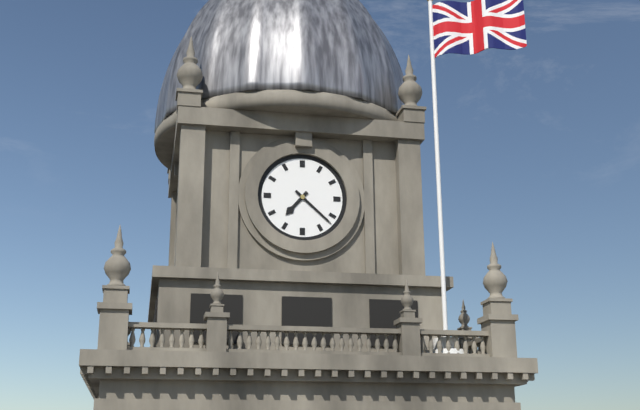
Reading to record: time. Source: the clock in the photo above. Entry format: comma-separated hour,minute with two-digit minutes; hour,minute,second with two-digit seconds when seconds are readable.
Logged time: 7,22
